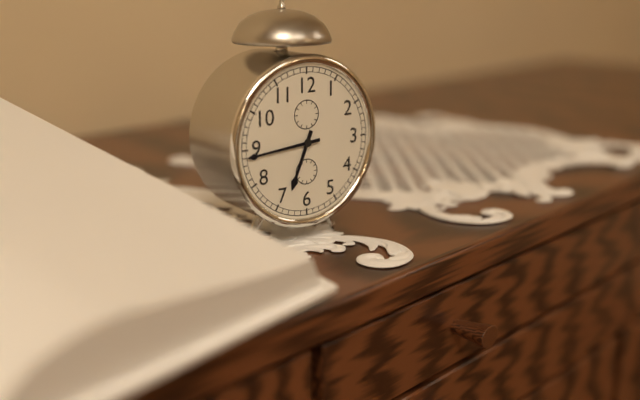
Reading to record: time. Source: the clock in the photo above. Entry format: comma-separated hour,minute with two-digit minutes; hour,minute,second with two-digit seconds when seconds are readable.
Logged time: 6,44
